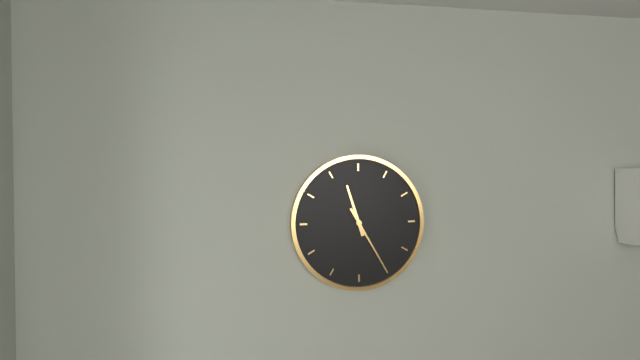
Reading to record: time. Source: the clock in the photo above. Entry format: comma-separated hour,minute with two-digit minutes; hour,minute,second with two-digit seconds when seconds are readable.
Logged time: 11,25
